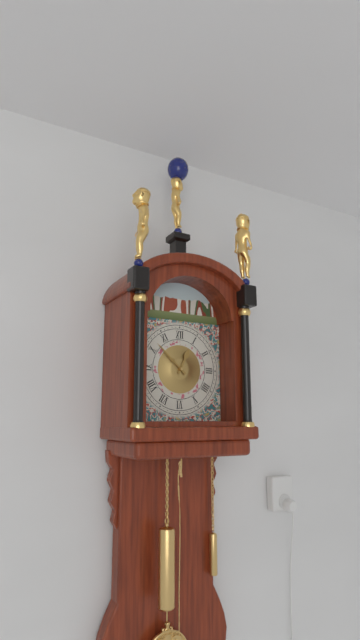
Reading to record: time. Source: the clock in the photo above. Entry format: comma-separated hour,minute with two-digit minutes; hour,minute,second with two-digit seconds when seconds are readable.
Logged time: 12,52
